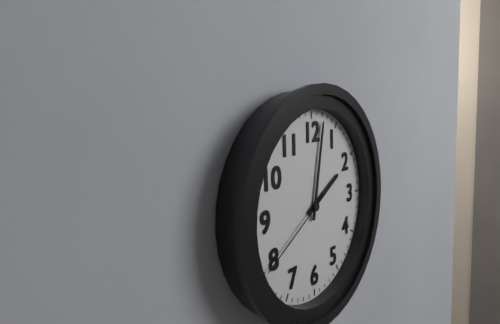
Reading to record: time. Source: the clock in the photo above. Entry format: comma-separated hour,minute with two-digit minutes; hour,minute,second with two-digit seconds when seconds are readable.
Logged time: 2,02,40
